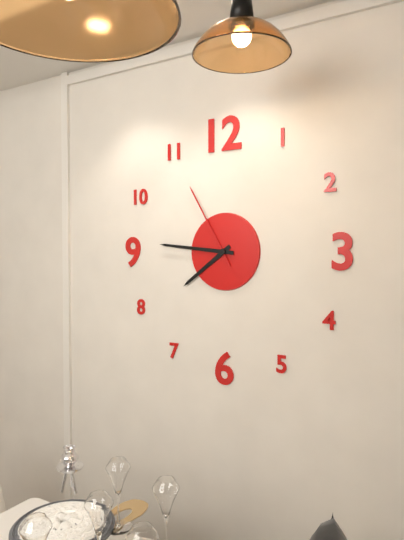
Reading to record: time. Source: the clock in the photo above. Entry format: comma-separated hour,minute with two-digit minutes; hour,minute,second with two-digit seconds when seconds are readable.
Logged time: 7,46,55
